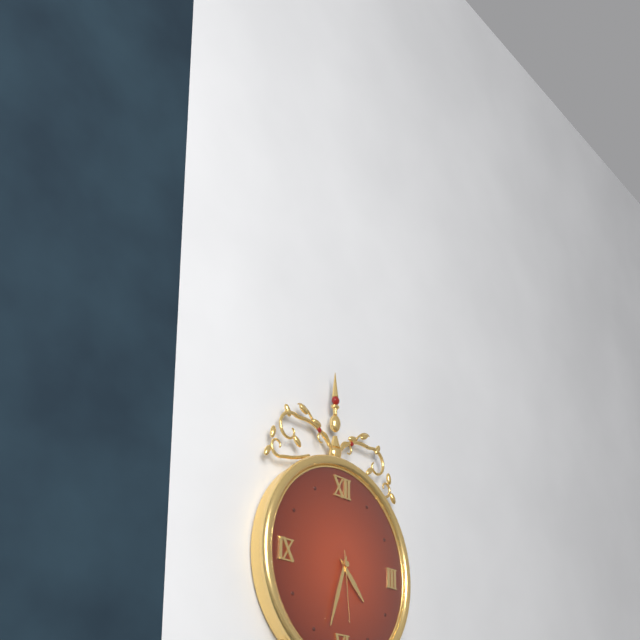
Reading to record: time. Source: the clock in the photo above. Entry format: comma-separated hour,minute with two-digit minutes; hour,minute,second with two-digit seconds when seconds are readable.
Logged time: 4,33,29
